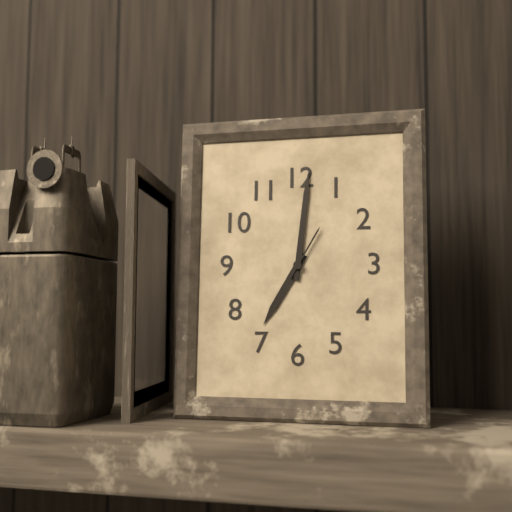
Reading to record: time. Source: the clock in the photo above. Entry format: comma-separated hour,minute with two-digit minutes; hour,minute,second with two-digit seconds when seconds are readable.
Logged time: 7,01,05
